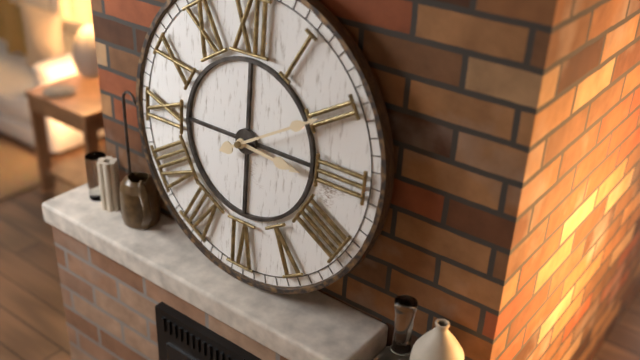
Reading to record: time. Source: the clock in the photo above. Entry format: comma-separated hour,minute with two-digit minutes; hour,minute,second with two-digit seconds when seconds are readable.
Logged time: 3,10
